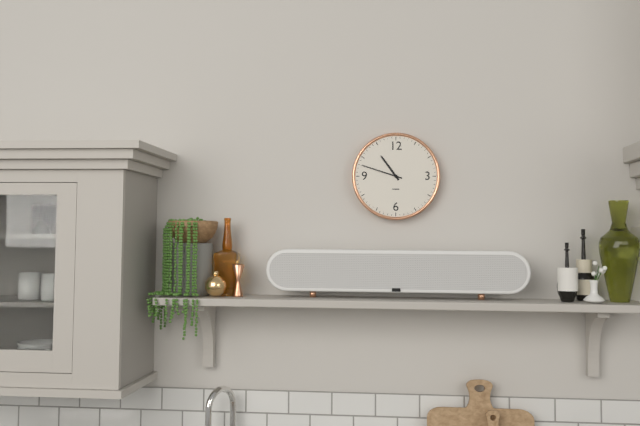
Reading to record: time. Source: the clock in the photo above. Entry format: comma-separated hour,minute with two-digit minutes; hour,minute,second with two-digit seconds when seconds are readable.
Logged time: 10,48
